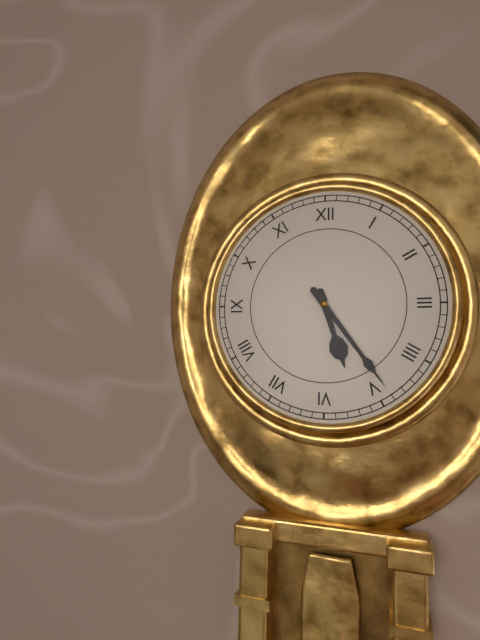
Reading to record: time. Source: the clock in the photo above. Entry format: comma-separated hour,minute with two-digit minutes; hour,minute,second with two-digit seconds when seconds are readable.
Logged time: 5,24
